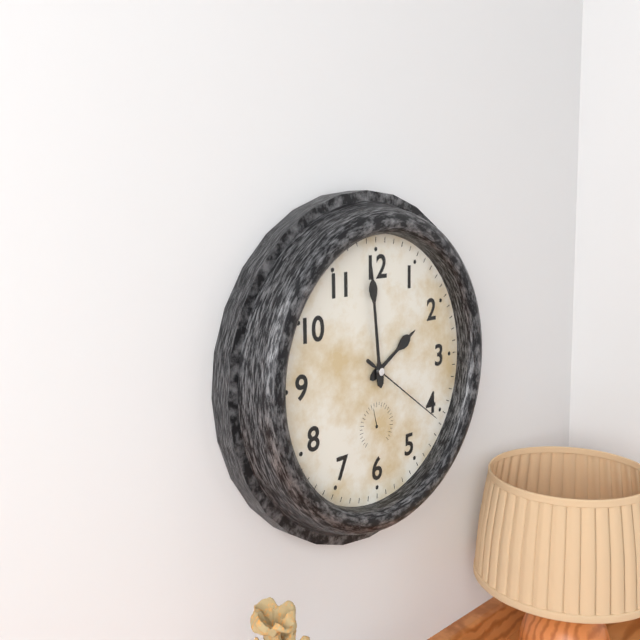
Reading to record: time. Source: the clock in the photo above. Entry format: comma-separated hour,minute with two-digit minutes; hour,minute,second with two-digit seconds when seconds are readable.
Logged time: 1,59,21
